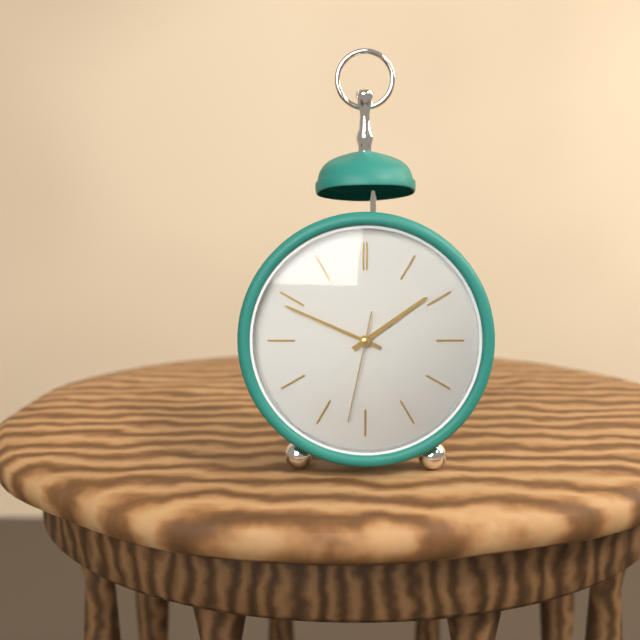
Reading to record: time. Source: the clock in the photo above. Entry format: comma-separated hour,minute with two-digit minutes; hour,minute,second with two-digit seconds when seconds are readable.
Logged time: 1,49,32
